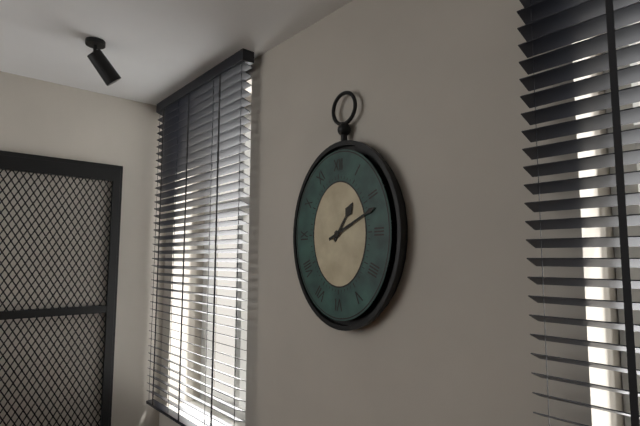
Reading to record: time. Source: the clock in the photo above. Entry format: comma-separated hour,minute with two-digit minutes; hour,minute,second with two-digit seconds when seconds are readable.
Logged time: 1,11
